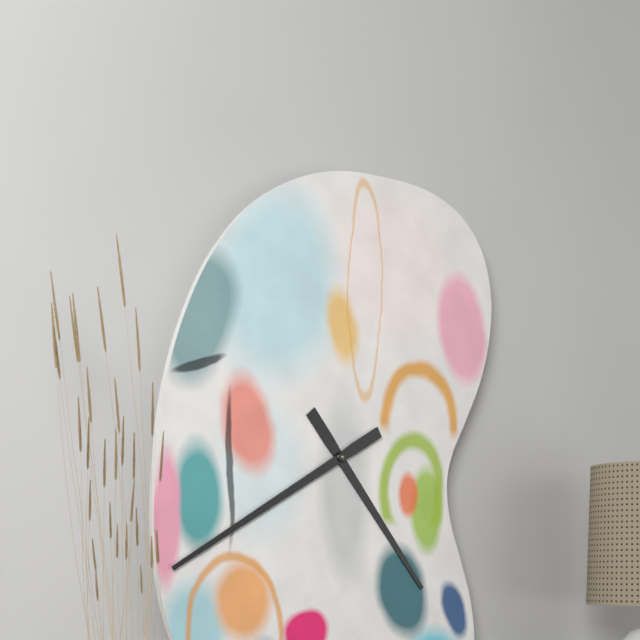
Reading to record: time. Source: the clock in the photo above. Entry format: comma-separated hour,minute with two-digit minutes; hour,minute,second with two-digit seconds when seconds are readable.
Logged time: 4,40
